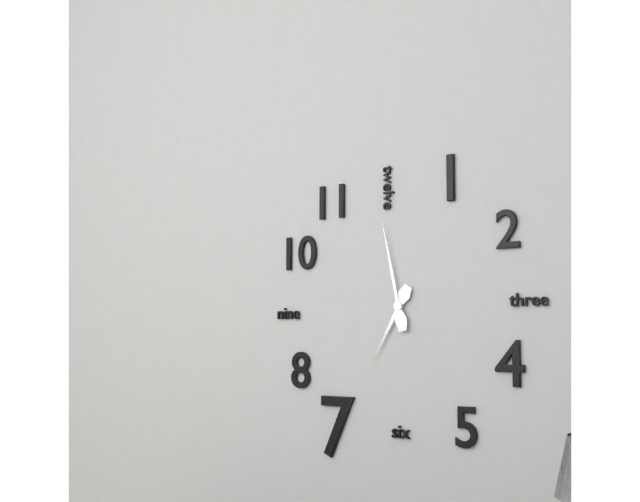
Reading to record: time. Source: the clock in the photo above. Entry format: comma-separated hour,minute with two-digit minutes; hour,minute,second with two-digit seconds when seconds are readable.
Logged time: 6,58
